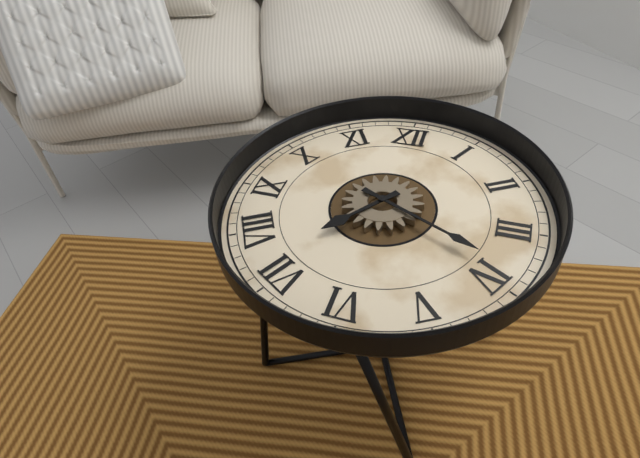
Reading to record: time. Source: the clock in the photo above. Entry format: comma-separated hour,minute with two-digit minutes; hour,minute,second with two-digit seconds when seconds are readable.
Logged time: 7,19
